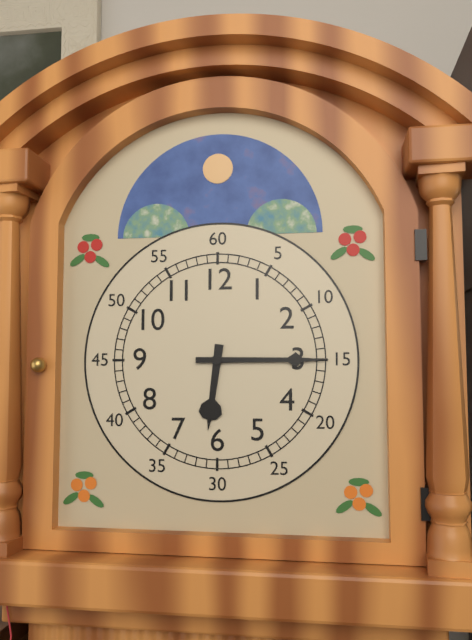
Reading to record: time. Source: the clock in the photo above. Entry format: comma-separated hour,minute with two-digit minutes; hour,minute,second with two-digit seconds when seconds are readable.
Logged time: 6,15
